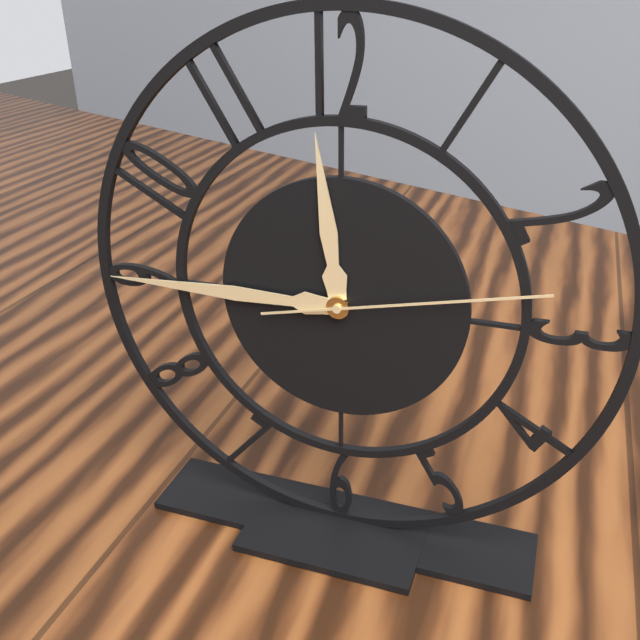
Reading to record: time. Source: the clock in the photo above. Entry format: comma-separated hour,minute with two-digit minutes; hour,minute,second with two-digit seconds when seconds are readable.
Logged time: 11,45,13
